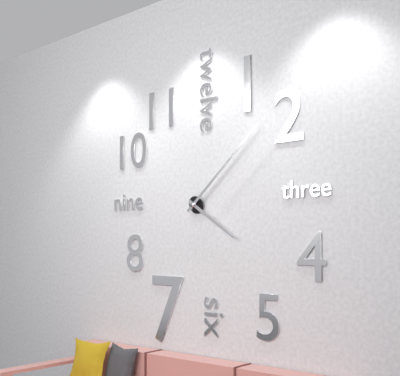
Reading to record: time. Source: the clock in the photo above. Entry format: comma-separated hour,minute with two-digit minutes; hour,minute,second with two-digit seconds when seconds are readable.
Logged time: 4,08
